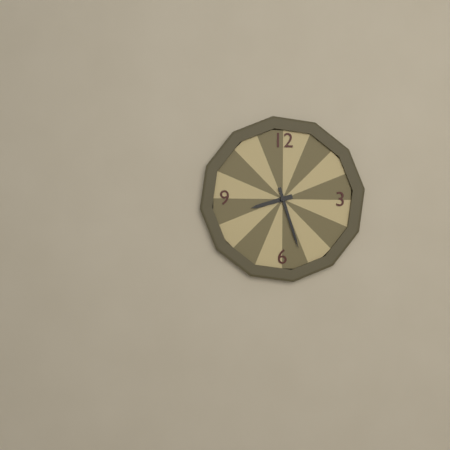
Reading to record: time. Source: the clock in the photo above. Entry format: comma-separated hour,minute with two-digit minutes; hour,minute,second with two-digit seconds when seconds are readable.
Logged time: 8,27
